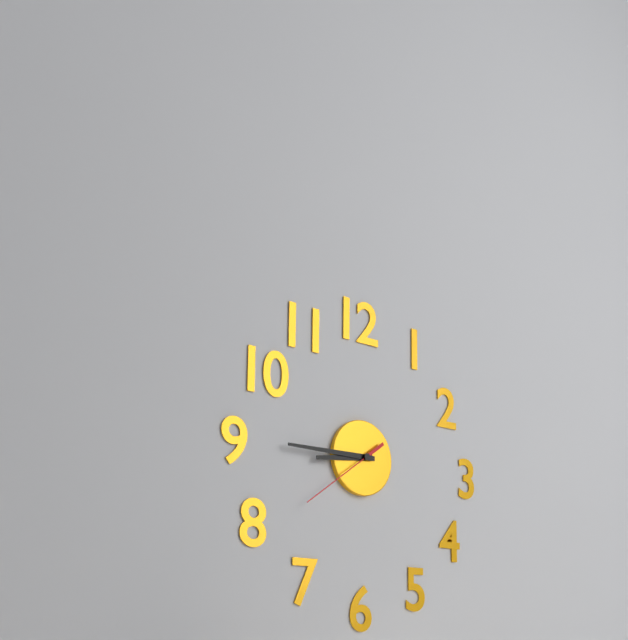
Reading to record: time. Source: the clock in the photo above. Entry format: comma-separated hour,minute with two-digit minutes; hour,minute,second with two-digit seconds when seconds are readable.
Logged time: 8,45,39
